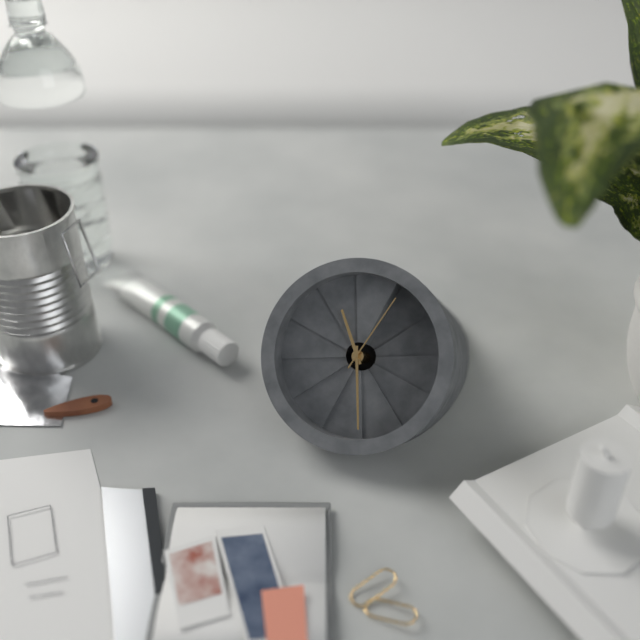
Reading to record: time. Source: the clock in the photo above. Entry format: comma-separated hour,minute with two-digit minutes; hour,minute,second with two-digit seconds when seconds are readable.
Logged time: 10,25,01
